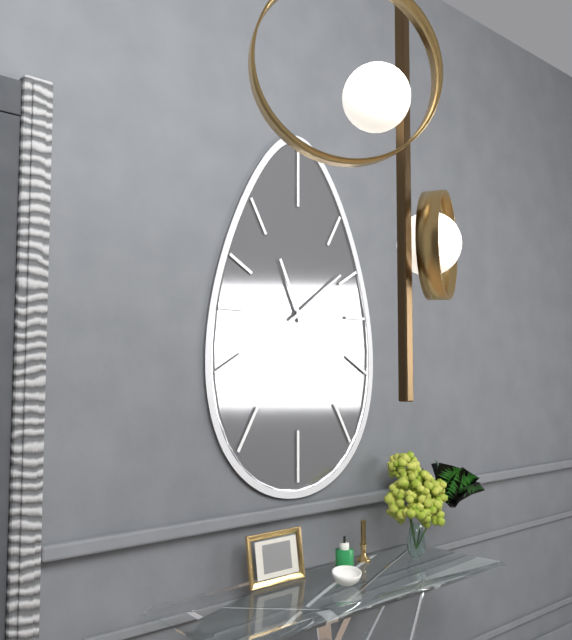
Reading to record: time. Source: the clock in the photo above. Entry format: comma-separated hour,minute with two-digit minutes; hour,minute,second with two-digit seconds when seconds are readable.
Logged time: 11,09
